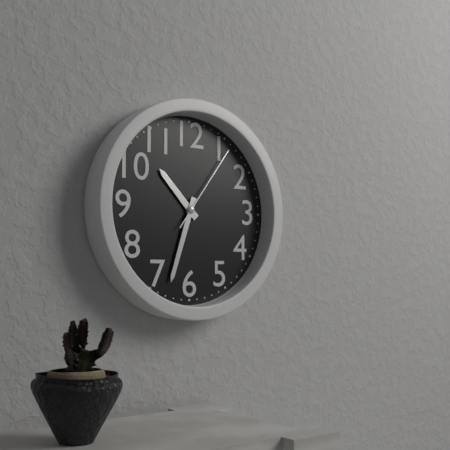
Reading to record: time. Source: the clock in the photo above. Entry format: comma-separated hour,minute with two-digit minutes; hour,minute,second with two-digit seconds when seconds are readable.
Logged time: 10,33,06
